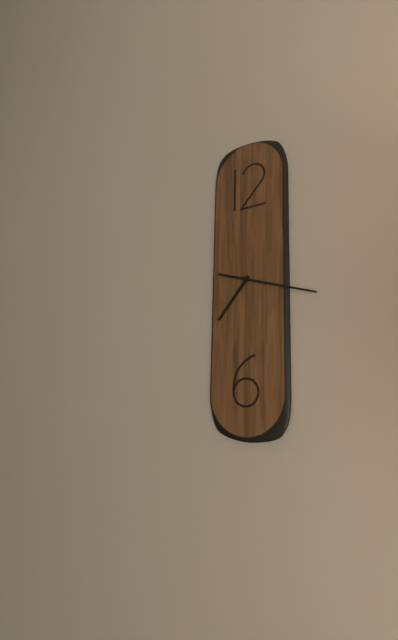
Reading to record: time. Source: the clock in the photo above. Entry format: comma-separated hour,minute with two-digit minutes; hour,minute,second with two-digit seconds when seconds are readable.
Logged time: 7,18
